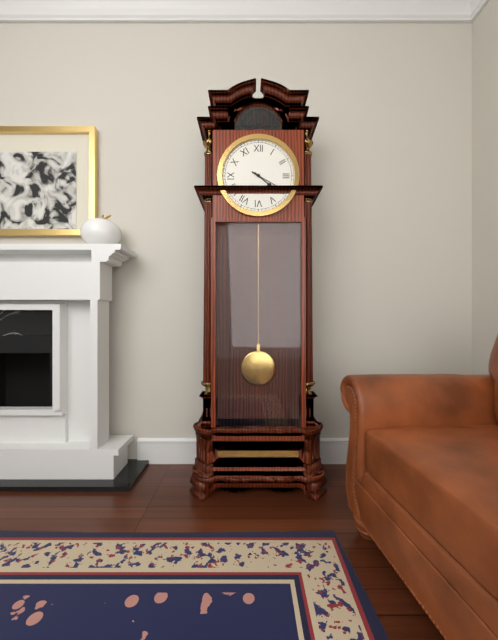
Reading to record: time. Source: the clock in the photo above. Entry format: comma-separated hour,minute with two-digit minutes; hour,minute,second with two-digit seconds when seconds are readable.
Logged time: 4,20
